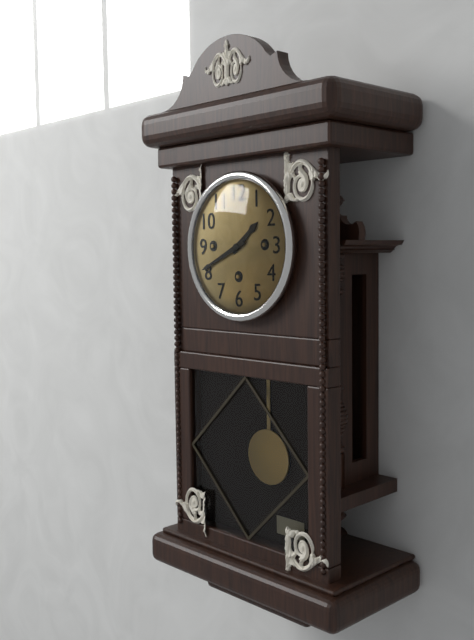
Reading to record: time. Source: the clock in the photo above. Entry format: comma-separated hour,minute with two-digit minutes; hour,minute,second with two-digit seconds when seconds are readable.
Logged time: 1,41
